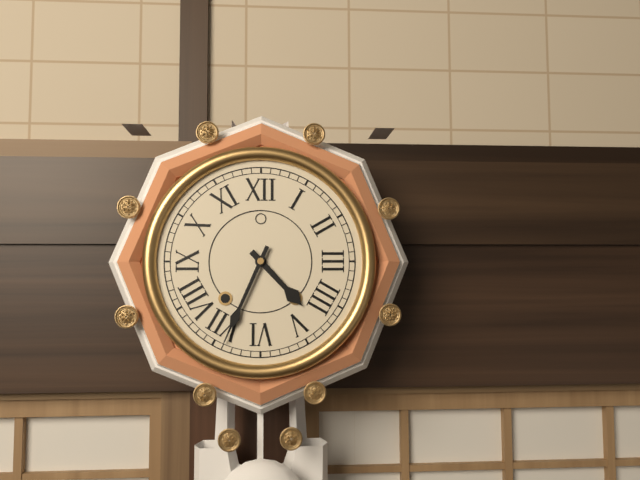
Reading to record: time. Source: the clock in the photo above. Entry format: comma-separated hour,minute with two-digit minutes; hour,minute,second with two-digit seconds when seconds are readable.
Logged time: 4,34
